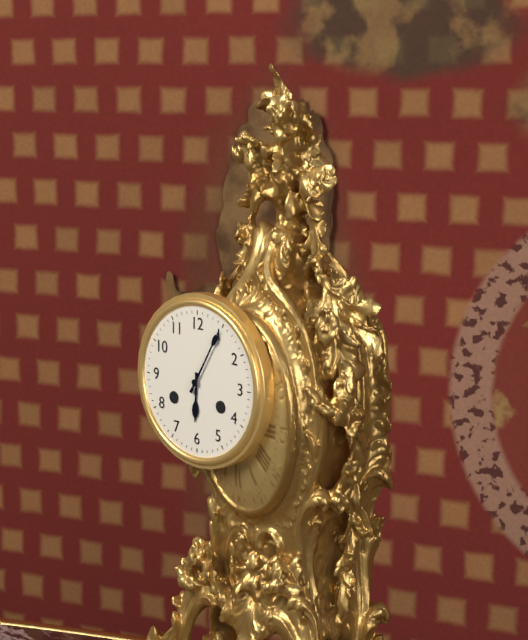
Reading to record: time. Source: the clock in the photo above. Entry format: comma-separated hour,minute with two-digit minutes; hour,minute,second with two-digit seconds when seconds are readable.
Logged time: 6,05
